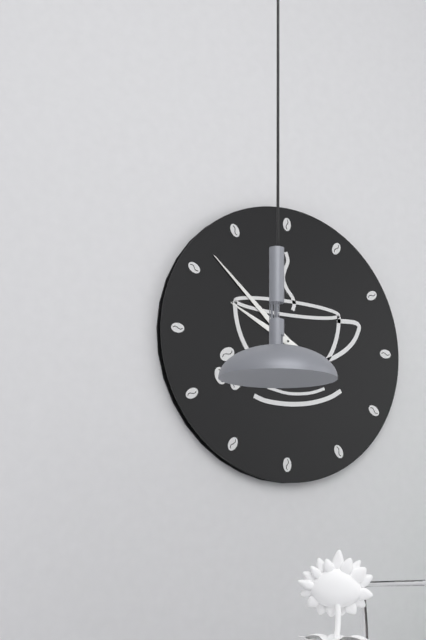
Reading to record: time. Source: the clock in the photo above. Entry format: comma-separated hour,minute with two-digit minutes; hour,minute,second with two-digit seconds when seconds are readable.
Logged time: 9,52
